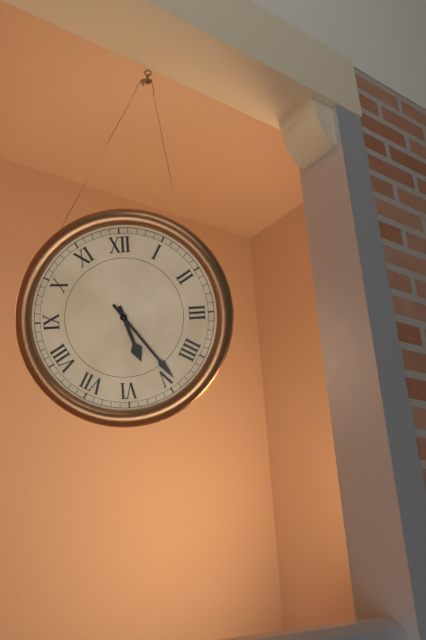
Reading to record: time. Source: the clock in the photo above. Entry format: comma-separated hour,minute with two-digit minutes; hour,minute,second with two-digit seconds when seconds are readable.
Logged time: 5,24
